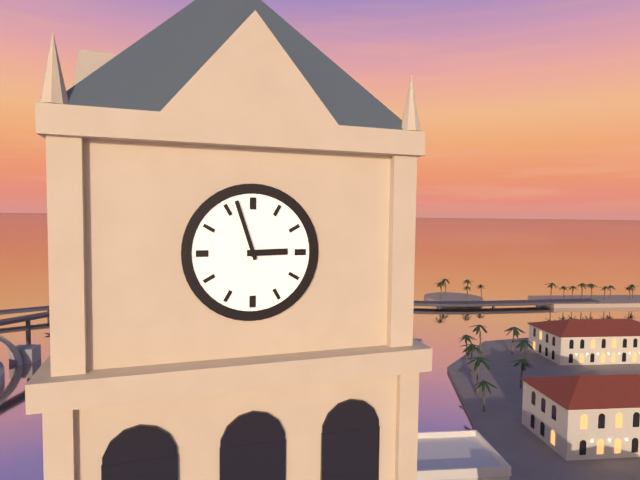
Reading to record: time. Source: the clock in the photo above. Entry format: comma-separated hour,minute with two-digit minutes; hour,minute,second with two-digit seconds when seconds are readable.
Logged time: 2,57
